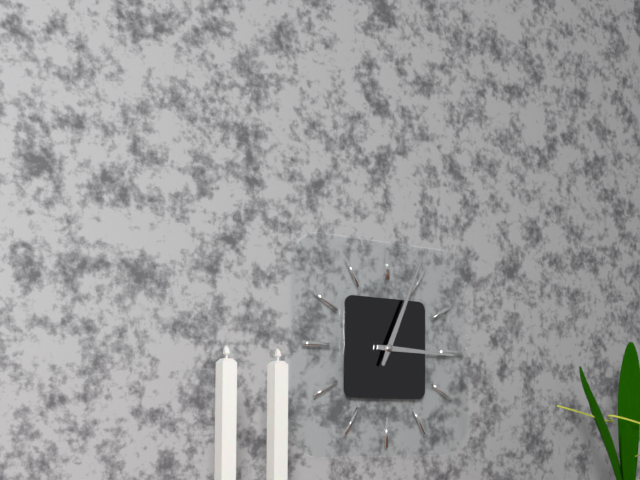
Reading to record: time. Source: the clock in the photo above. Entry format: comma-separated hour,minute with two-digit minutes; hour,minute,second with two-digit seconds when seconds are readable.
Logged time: 3,04
